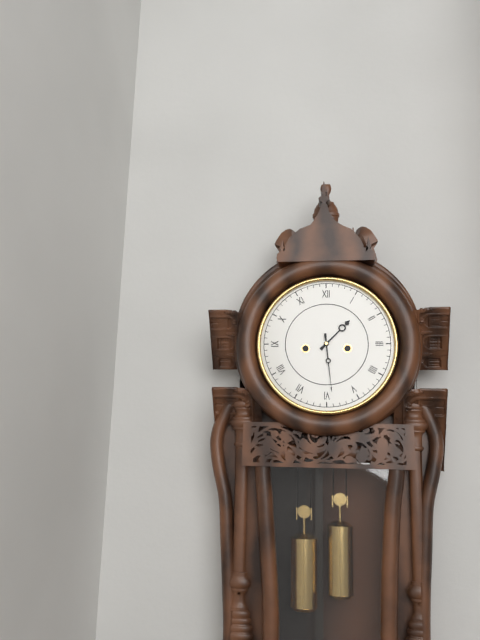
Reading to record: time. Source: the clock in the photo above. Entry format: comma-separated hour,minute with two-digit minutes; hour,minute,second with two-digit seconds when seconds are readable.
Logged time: 1,29
